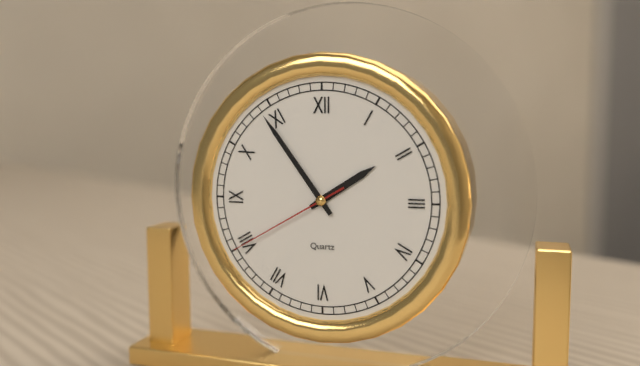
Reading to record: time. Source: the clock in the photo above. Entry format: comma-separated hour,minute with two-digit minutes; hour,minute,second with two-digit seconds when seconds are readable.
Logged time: 1,54,40
